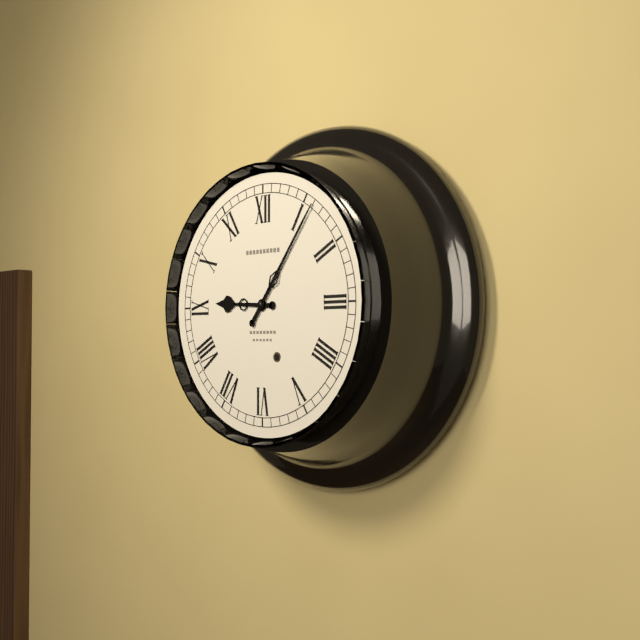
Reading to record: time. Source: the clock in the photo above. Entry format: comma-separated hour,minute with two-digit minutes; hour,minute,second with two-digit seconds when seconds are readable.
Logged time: 9,06
